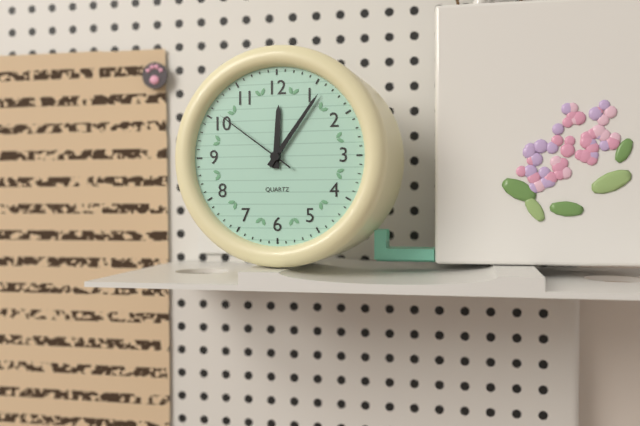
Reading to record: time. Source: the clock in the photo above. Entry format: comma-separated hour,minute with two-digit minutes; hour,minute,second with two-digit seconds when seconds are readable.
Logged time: 12,06,51
